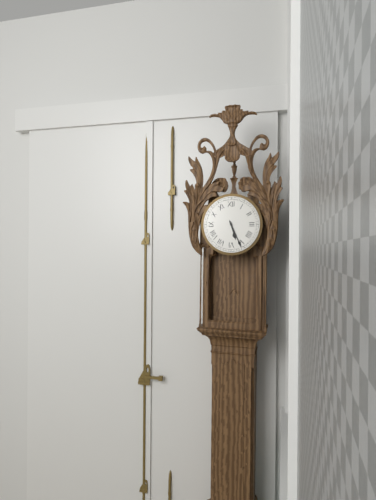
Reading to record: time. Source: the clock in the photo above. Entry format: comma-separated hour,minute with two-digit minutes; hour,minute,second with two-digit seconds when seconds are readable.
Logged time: 5,26
